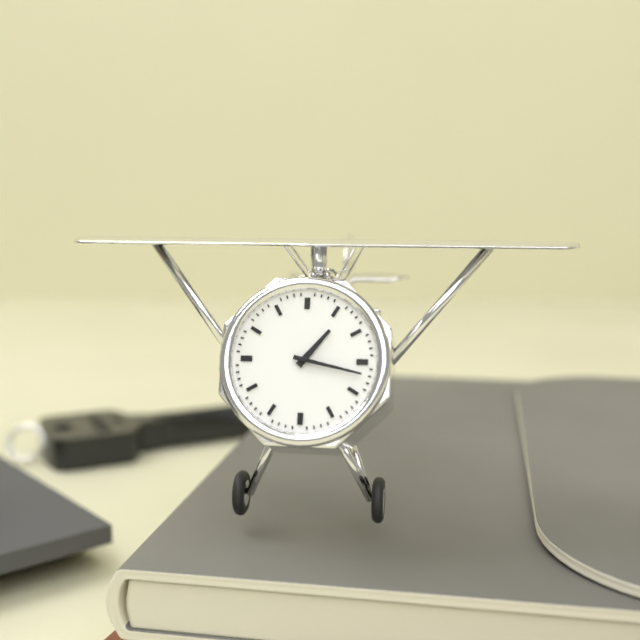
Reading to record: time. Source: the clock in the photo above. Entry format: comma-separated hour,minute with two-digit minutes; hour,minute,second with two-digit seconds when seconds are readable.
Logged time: 1,17
